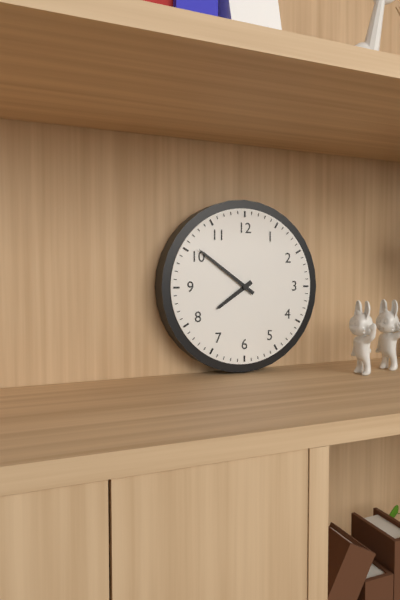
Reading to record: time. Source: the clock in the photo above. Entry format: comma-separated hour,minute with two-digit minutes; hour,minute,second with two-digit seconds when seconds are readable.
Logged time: 7,51
